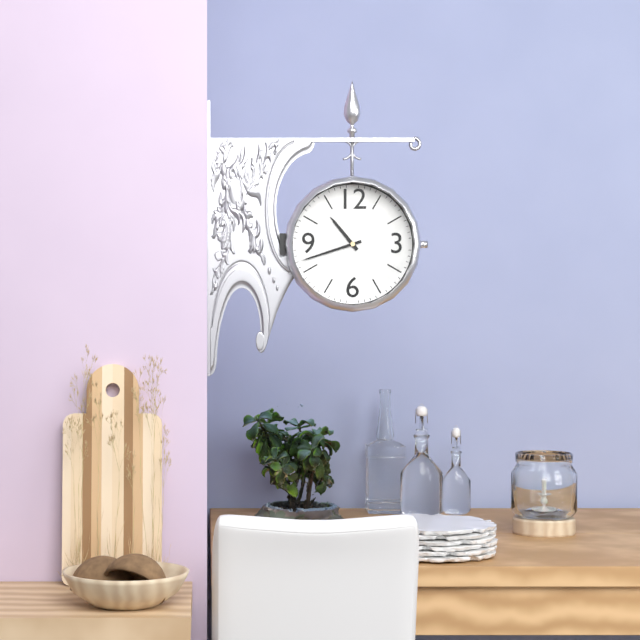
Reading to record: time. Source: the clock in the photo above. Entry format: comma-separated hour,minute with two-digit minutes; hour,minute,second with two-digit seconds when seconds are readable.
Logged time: 10,42
